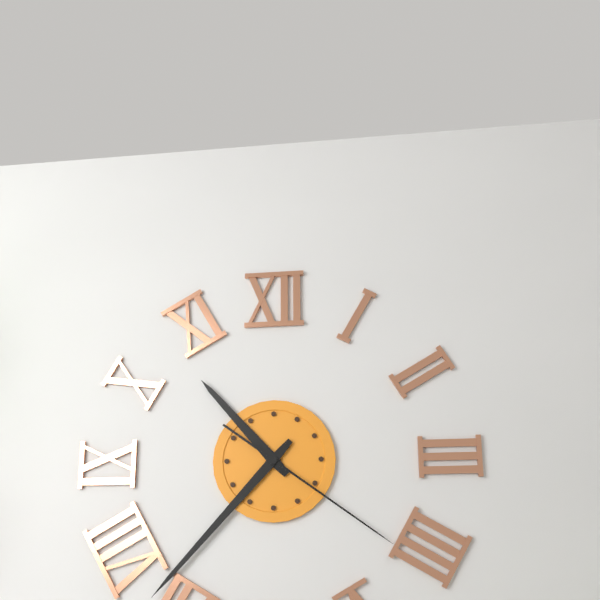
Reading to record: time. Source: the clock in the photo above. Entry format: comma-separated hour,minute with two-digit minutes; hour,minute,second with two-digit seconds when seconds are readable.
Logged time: 10,37,21
